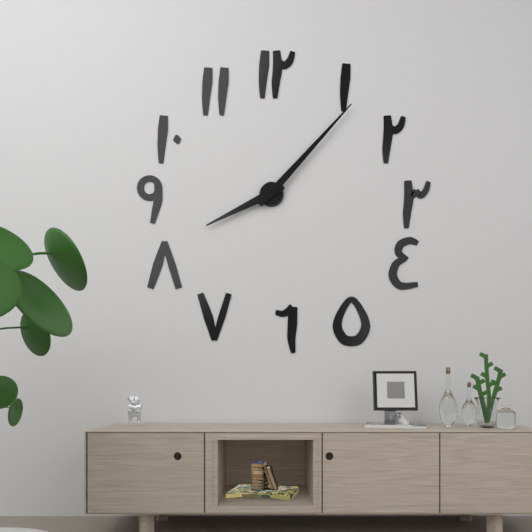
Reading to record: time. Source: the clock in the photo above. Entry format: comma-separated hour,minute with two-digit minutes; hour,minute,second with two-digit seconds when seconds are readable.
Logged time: 8,07
